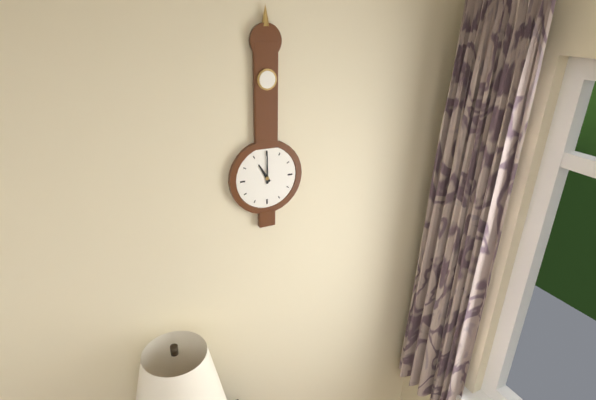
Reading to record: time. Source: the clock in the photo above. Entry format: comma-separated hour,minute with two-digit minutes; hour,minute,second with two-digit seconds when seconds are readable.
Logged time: 11,00
